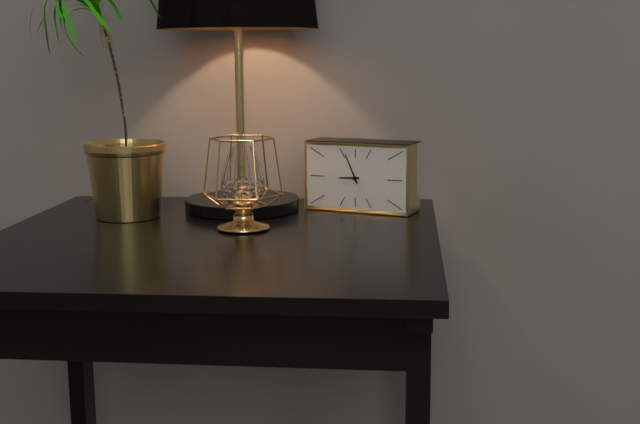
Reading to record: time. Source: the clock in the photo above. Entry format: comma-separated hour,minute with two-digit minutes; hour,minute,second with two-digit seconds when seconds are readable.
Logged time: 8,56
